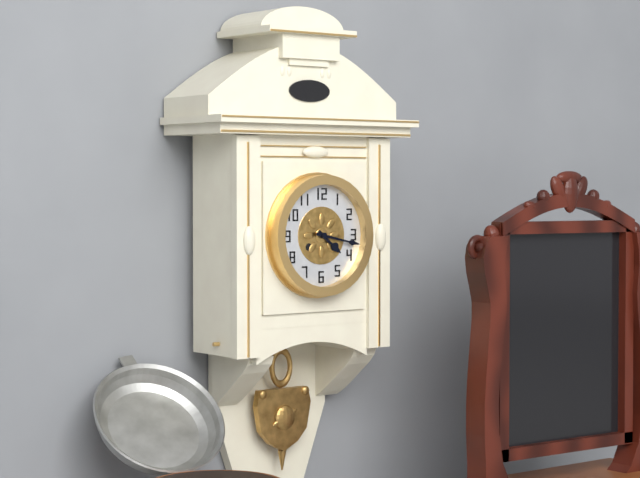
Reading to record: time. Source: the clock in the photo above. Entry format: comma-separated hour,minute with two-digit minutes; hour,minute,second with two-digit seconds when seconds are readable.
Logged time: 4,17
